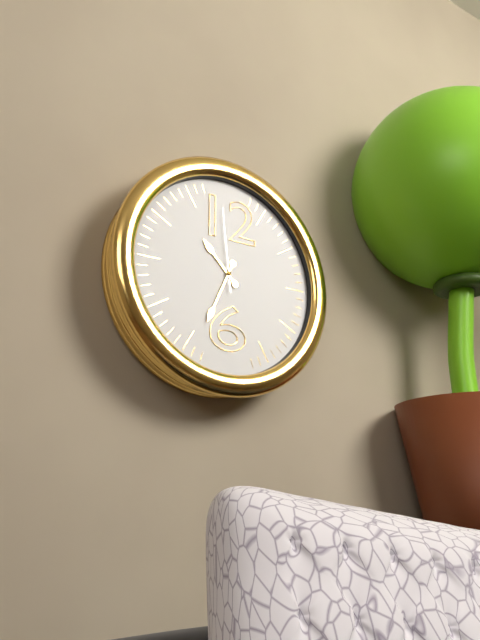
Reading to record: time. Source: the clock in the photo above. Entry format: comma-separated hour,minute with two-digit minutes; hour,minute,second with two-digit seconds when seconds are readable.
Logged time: 10,34,59
